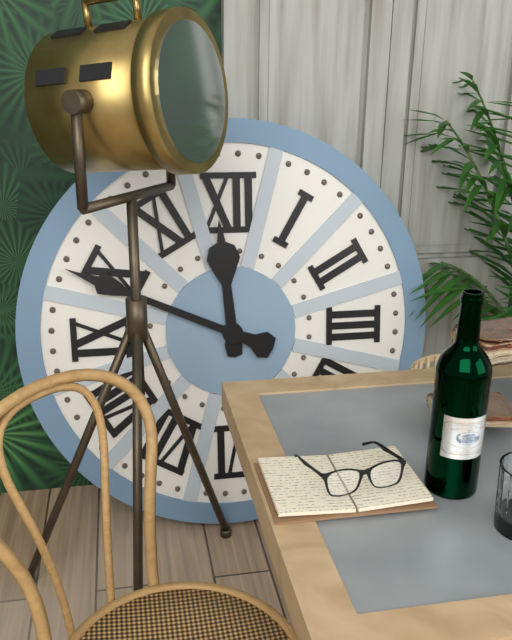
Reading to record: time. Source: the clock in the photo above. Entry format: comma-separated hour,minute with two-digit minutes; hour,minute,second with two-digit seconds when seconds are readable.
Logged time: 11,49
